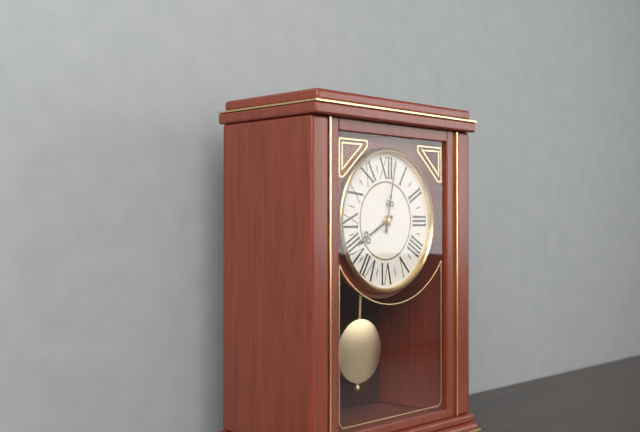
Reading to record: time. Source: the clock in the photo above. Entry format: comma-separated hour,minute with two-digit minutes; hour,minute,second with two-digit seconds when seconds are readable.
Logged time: 8,02
